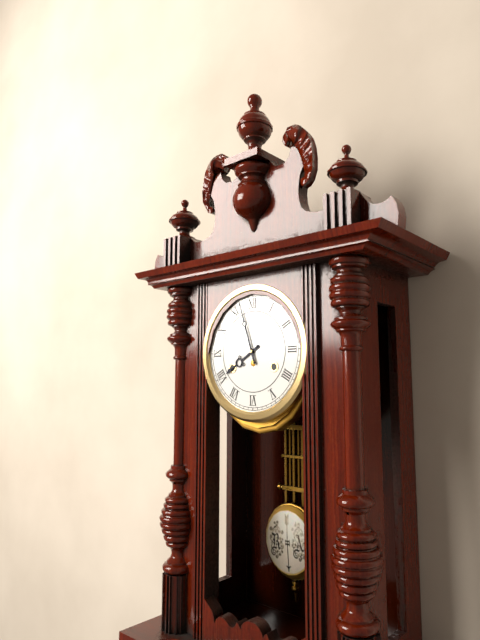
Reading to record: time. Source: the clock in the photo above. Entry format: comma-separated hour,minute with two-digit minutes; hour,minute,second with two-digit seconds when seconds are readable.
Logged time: 7,57
